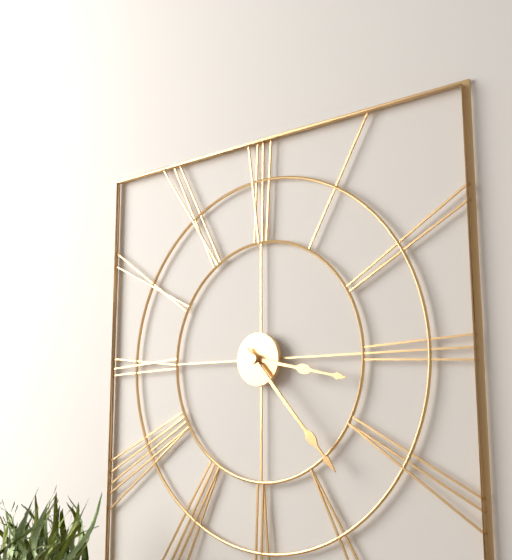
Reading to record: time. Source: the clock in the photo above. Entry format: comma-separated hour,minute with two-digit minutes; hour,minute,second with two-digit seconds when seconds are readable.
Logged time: 3,23
